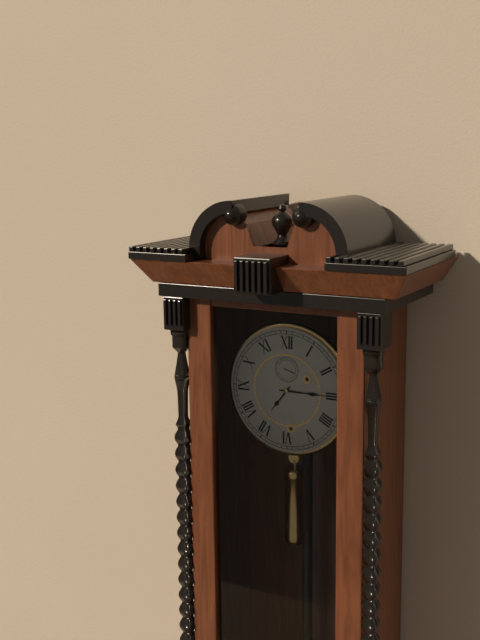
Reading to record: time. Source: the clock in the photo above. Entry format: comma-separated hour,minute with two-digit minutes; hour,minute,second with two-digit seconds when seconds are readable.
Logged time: 7,15
